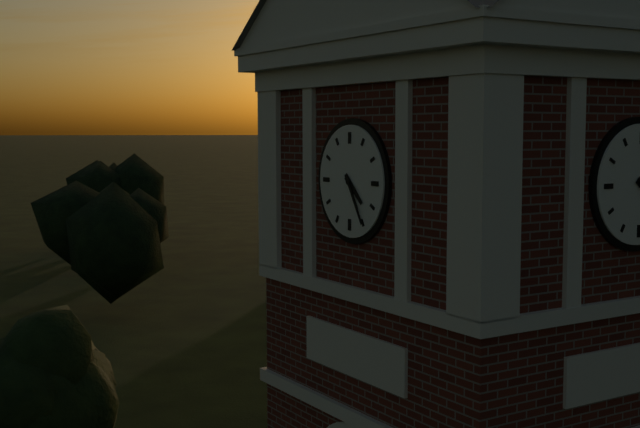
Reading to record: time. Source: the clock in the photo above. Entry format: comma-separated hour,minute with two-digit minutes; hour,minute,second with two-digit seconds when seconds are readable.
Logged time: 4,25
